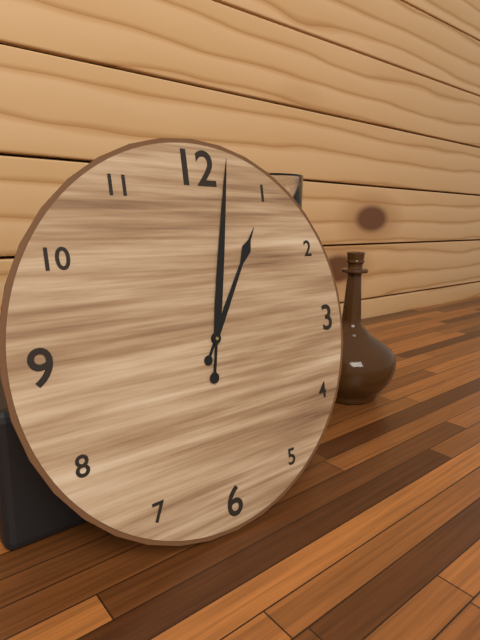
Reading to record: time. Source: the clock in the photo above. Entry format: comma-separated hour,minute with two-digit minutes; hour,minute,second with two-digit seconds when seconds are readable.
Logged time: 1,02
